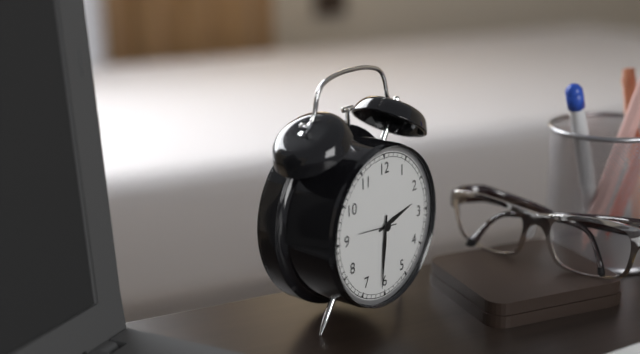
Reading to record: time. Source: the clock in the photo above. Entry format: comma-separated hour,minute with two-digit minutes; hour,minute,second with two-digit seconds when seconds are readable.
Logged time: 2,31
